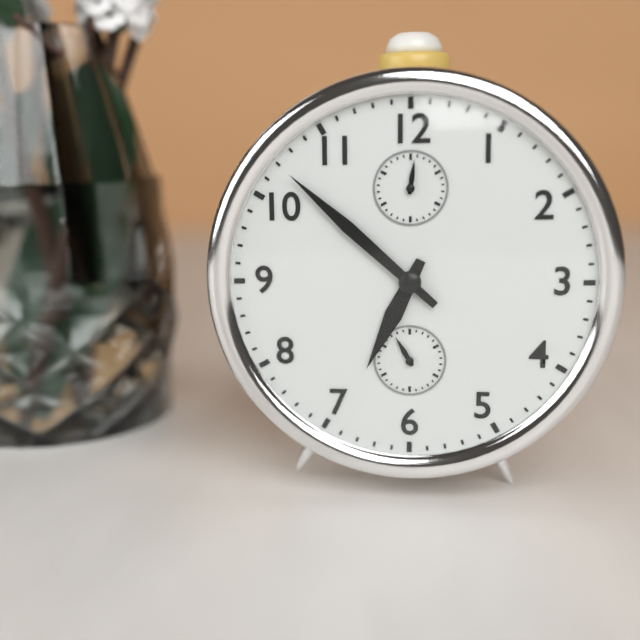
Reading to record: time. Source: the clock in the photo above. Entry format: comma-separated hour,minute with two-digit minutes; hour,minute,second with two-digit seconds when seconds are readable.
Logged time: 6,52
